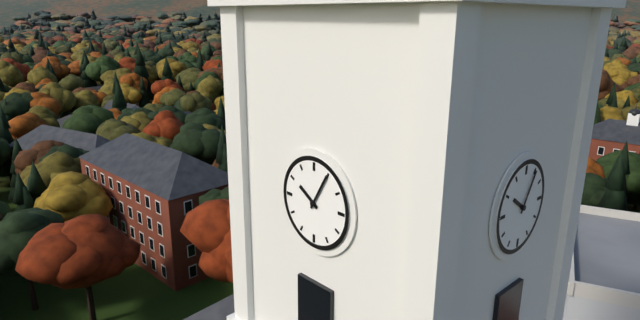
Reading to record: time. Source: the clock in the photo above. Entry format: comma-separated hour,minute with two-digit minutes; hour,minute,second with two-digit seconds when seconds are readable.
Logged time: 10,05
